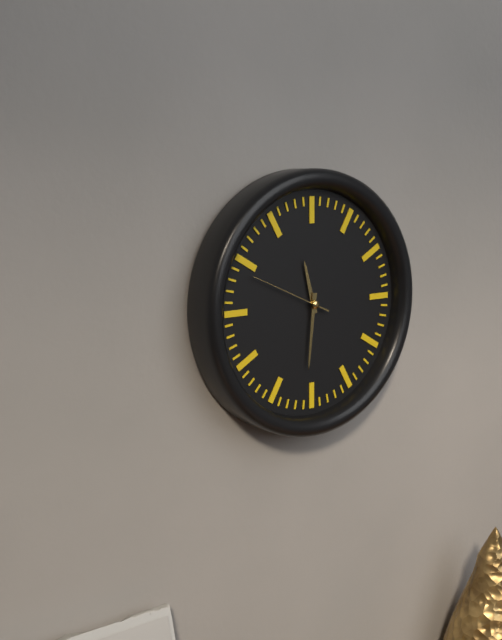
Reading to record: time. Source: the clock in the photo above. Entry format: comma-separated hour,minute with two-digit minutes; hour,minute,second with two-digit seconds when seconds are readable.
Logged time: 11,31,49
